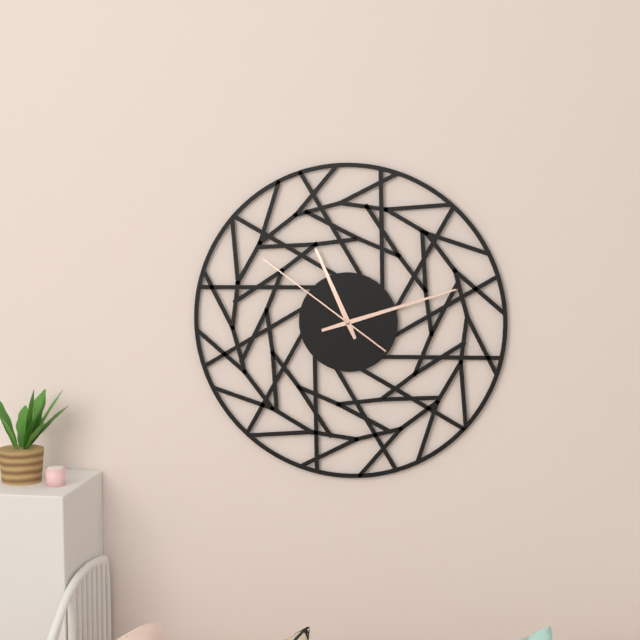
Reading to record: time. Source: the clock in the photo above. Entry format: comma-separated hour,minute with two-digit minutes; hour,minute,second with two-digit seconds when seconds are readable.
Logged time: 11,12,51
